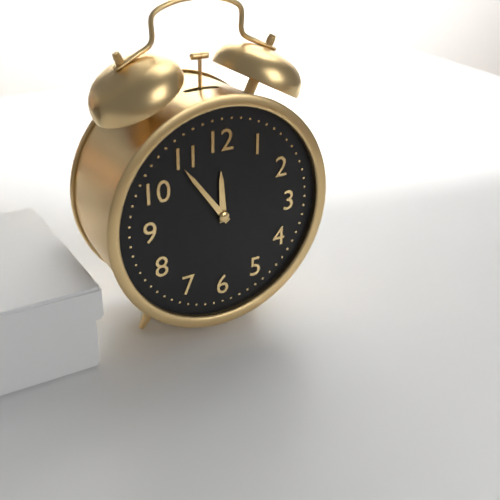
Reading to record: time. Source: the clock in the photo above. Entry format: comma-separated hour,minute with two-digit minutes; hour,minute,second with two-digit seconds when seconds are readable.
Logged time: 11,54
